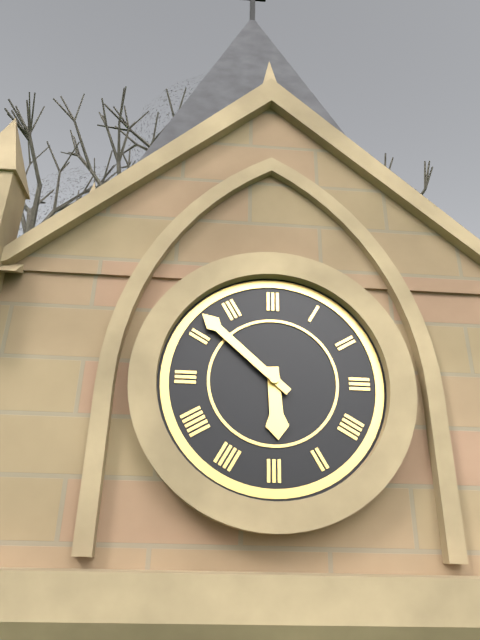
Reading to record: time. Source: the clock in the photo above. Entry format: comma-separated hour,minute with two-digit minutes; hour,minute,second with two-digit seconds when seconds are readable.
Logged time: 5,52
